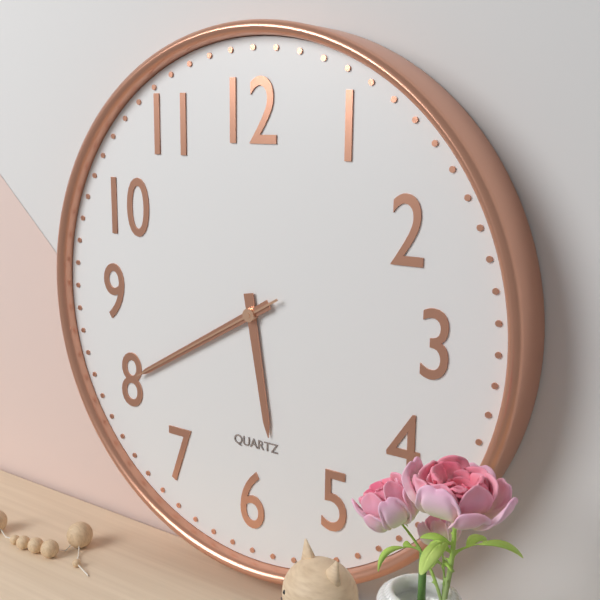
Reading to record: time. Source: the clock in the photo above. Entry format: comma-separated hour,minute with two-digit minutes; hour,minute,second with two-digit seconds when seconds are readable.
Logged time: 5,40,40
